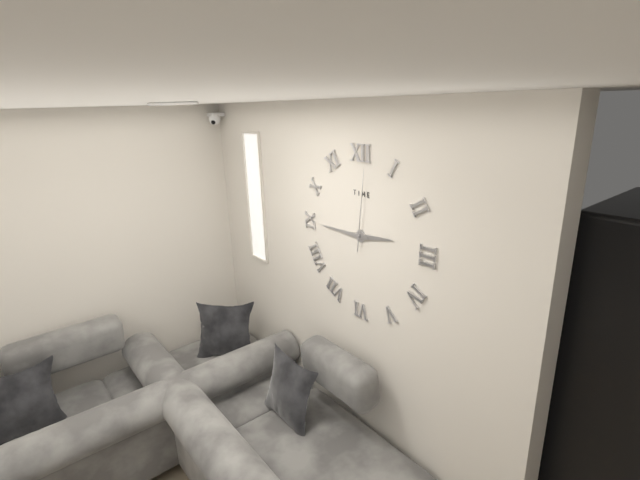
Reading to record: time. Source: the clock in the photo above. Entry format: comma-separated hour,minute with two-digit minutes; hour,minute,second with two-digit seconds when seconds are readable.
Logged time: 2,45,01
